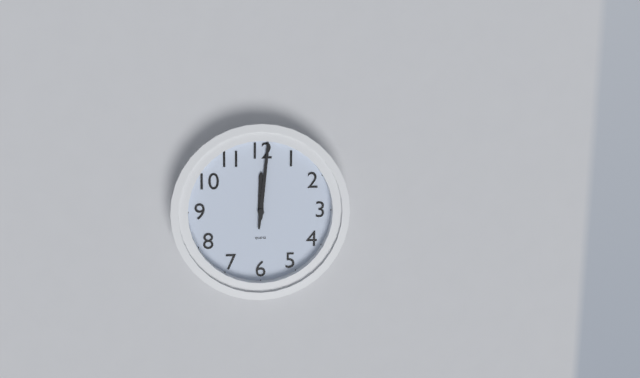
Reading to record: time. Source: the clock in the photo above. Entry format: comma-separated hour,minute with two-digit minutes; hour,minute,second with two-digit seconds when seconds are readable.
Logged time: 12,01
